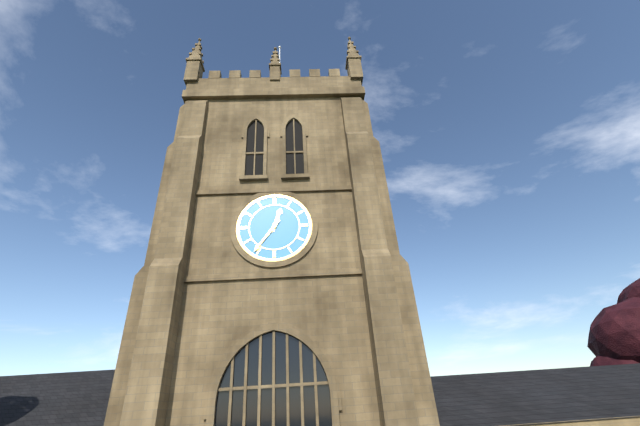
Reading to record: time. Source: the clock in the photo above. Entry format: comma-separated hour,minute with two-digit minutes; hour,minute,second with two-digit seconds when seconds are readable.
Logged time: 12,36
